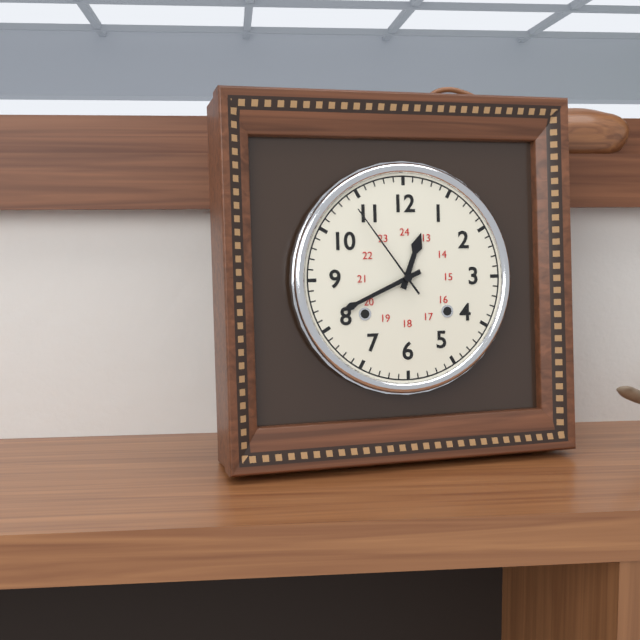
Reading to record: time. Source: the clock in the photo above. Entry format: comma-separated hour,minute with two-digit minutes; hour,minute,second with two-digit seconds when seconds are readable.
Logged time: 12,41,54
